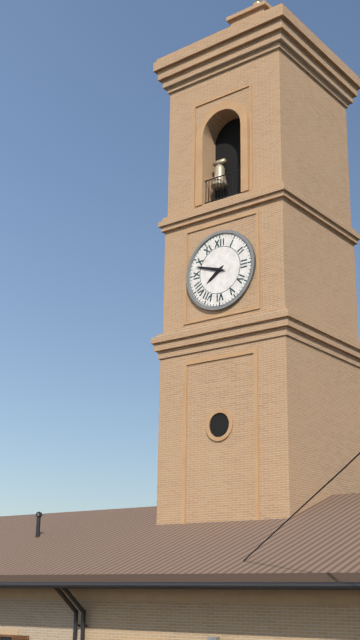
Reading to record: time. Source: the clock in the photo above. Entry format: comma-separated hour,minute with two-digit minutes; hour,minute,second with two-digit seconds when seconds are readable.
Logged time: 7,48
